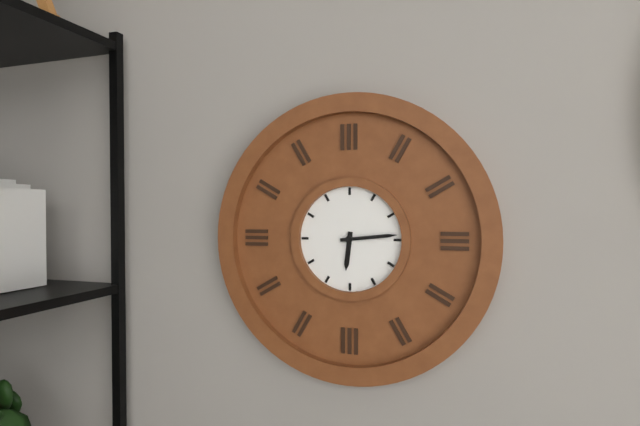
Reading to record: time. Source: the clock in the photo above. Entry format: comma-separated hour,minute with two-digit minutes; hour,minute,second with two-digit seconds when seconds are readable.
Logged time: 6,14
